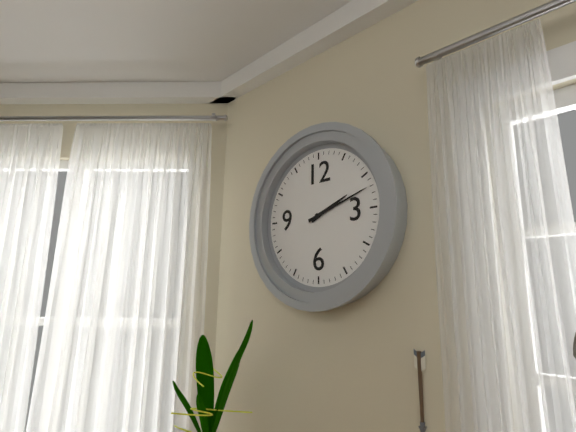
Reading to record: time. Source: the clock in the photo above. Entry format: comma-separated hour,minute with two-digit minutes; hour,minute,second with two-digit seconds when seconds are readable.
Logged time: 2,12
